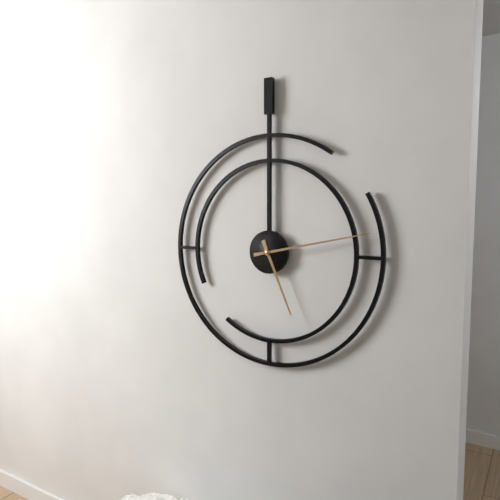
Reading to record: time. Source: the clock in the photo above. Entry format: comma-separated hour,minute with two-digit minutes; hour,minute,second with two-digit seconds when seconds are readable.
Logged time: 5,13
